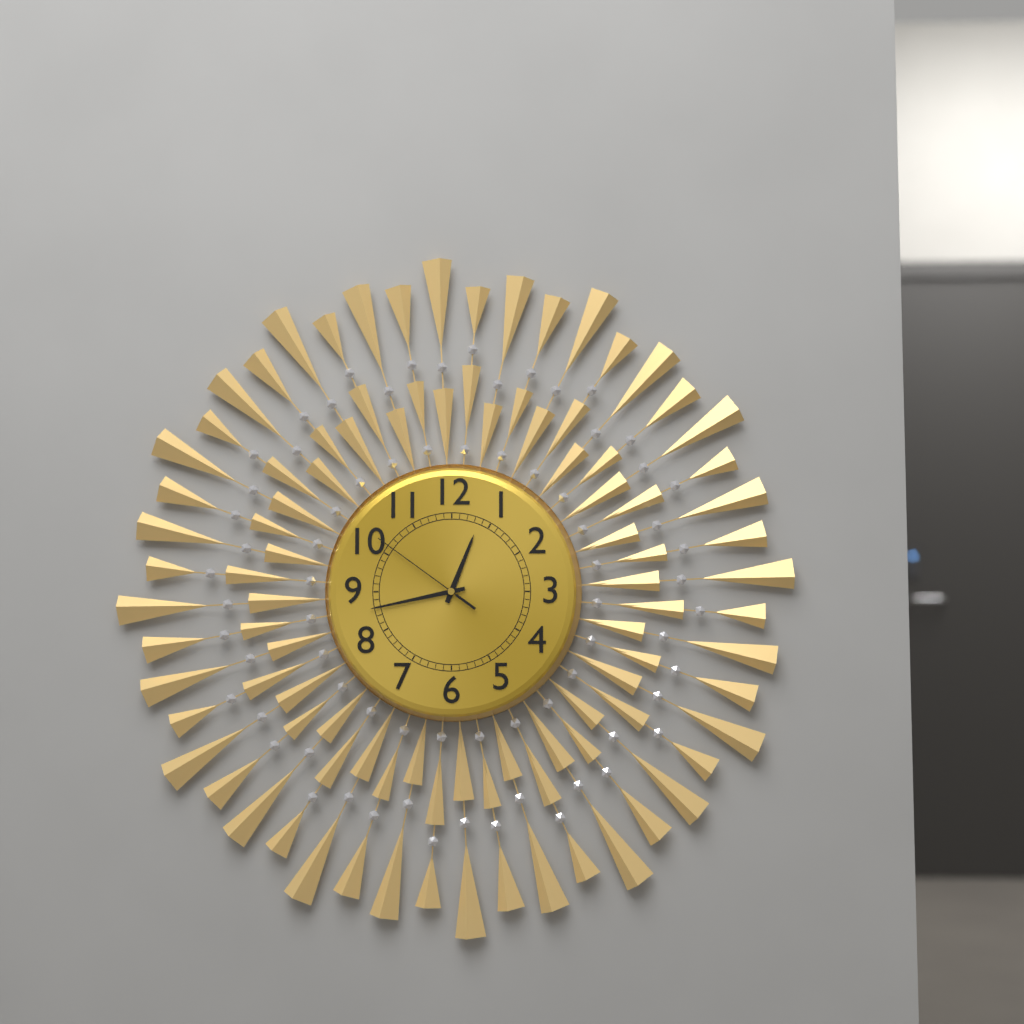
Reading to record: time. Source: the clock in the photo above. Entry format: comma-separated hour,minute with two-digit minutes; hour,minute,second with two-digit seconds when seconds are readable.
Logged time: 12,43,51
